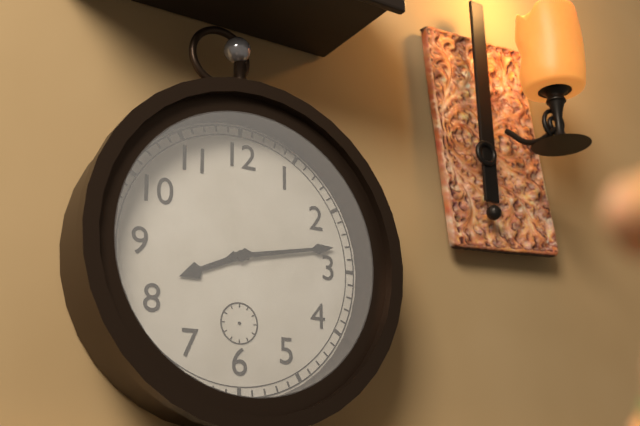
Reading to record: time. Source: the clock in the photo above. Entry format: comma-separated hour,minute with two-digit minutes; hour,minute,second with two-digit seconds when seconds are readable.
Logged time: 8,13
